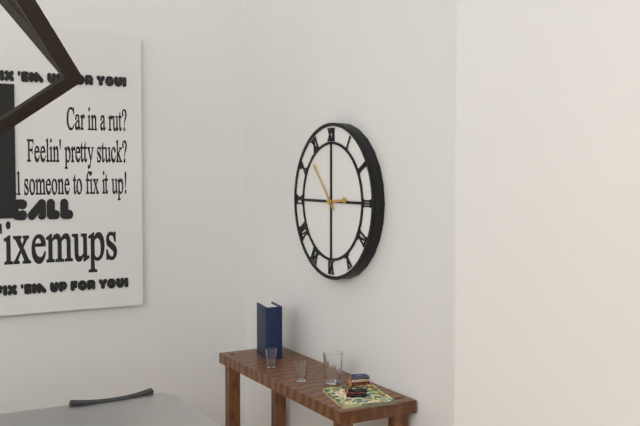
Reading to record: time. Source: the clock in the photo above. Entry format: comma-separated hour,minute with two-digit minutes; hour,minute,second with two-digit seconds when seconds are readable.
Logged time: 2,53
